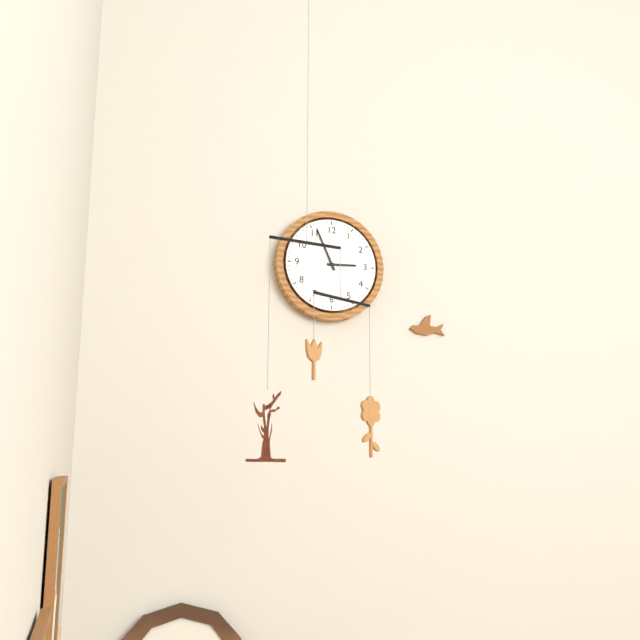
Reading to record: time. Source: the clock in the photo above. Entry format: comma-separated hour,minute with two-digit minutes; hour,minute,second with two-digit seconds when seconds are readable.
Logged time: 2,56
